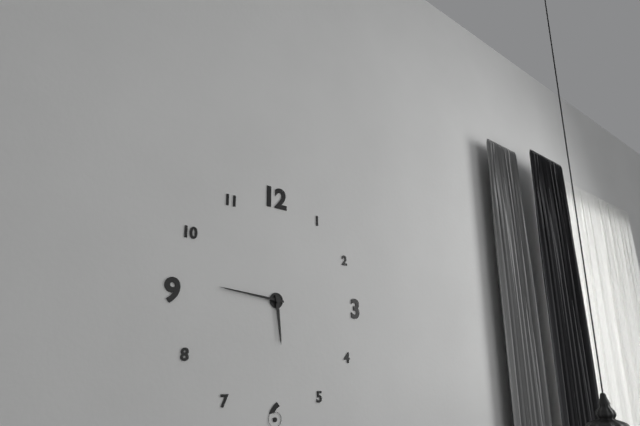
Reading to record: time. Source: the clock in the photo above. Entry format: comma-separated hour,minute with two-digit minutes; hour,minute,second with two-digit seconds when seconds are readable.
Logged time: 5,46
